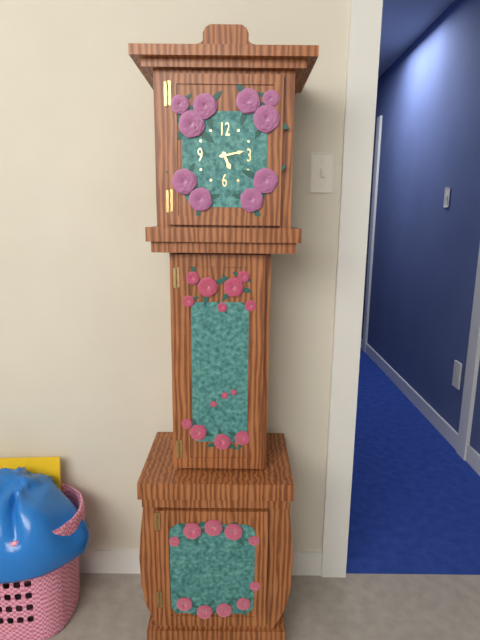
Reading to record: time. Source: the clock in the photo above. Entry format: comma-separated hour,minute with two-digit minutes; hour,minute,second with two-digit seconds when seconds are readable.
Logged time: 5,13
